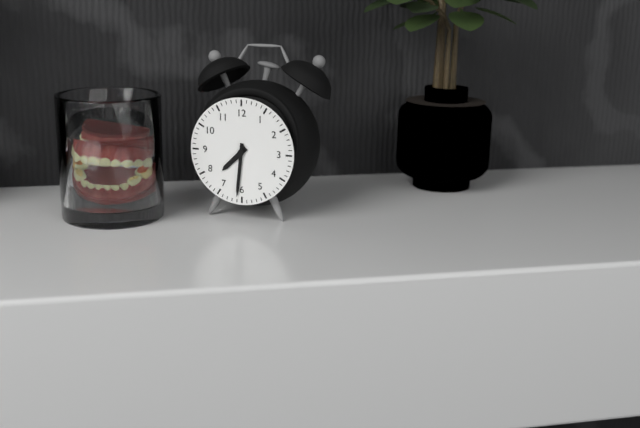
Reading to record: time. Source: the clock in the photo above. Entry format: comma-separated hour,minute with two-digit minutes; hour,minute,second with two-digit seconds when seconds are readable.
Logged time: 7,31
